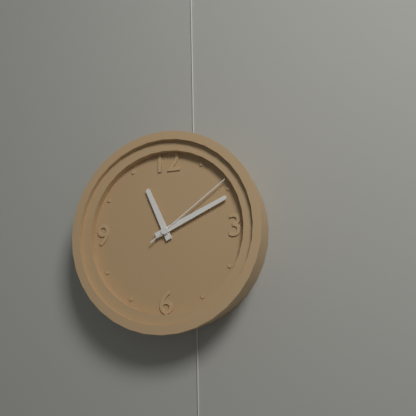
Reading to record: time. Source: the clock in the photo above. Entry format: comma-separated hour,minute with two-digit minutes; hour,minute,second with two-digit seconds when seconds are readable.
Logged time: 11,11,09
